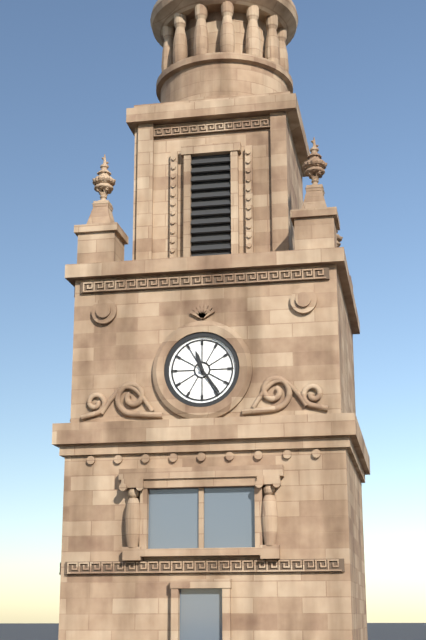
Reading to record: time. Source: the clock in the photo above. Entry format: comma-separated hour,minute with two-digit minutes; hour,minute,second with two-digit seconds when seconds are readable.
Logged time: 11,24
